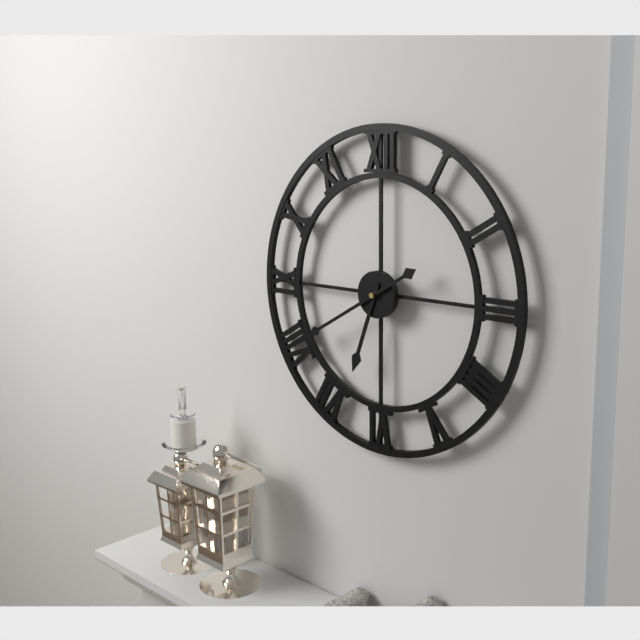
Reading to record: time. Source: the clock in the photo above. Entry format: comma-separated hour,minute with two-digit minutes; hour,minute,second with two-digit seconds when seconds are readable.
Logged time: 6,40
